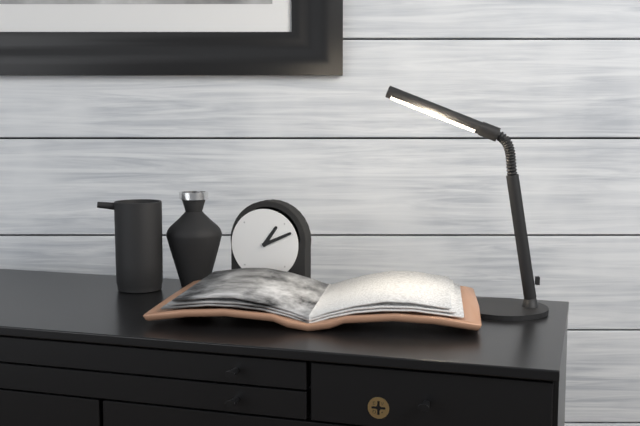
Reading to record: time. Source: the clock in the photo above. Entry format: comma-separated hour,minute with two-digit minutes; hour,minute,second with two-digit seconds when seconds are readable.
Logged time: 1,11
